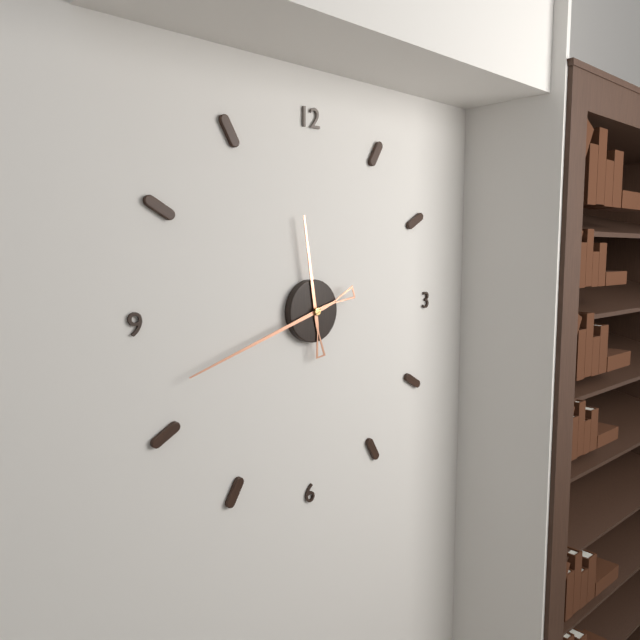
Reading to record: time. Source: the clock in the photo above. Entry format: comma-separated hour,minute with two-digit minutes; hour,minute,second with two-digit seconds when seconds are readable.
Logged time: 11,42
